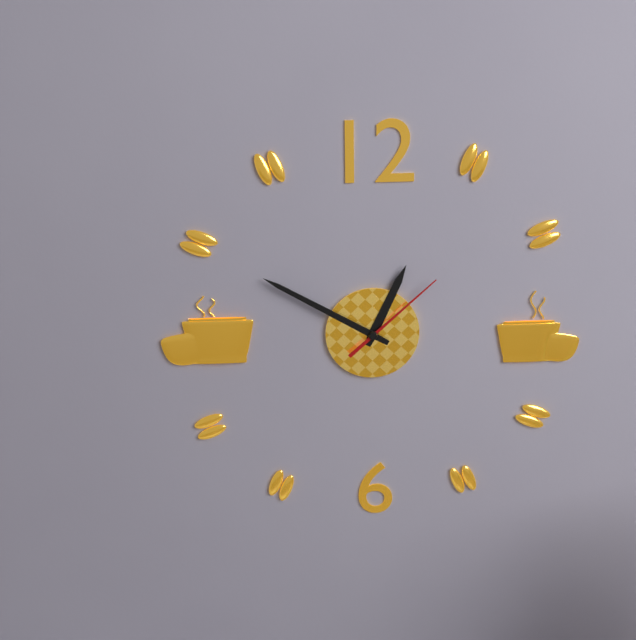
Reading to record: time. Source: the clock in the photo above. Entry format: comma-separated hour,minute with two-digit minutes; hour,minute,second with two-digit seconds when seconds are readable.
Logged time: 12,50,08
